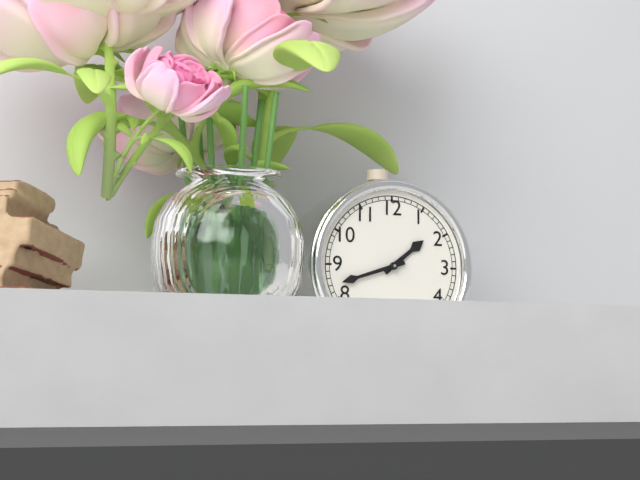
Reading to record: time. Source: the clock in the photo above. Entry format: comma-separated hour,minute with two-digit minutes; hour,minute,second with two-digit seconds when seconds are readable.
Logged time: 1,42
